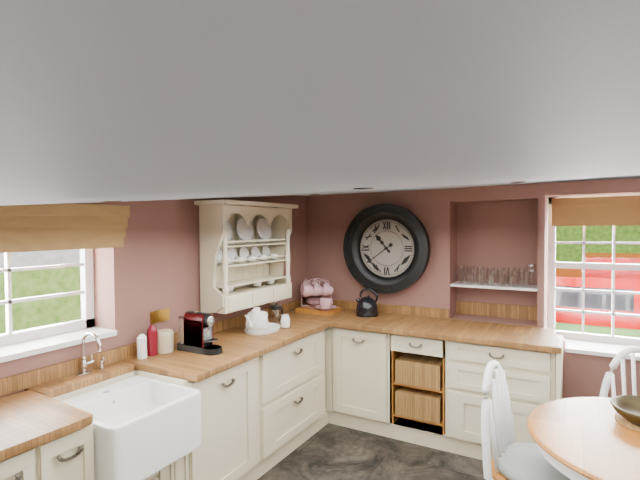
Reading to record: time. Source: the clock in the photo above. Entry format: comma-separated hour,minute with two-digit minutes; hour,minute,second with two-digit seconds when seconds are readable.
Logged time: 10,39
